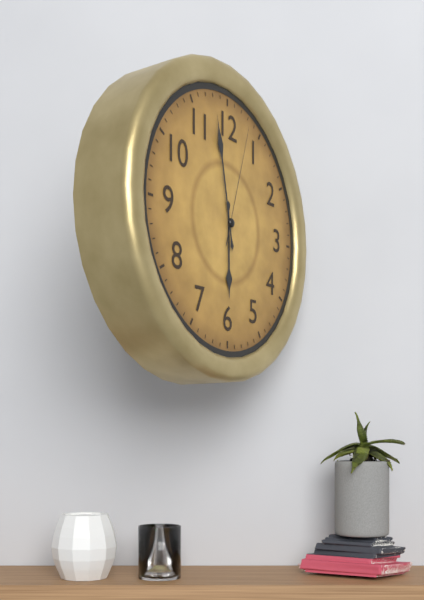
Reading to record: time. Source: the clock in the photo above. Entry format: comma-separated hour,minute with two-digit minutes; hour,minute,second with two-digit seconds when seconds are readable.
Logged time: 5,58,03
